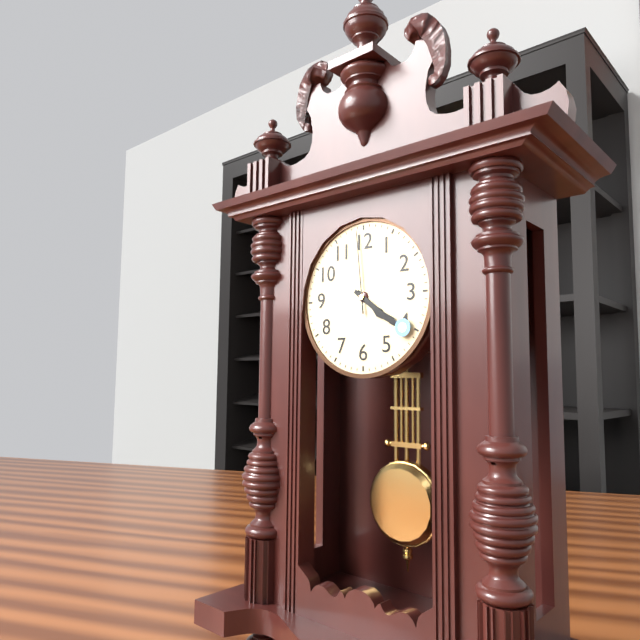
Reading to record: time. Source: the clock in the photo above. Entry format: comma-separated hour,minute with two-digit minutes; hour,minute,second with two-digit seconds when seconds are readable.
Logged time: 4,21,59
